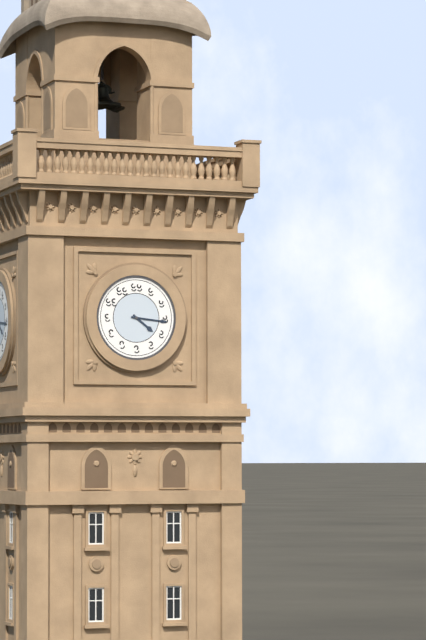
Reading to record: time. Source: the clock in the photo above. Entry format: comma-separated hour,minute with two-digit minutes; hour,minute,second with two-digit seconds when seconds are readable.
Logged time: 4,16
